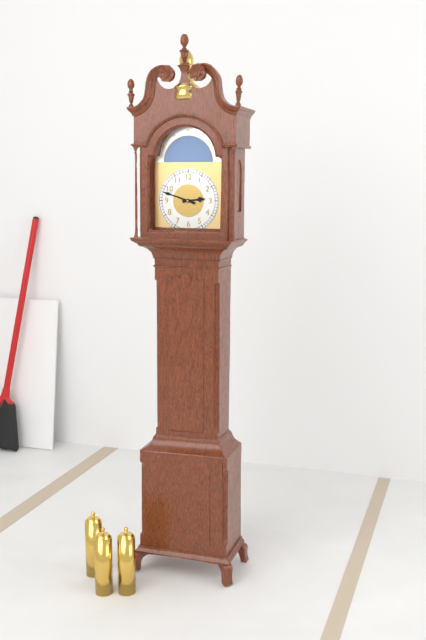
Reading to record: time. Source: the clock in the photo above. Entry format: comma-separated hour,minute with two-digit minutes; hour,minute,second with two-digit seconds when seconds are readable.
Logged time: 2,48
